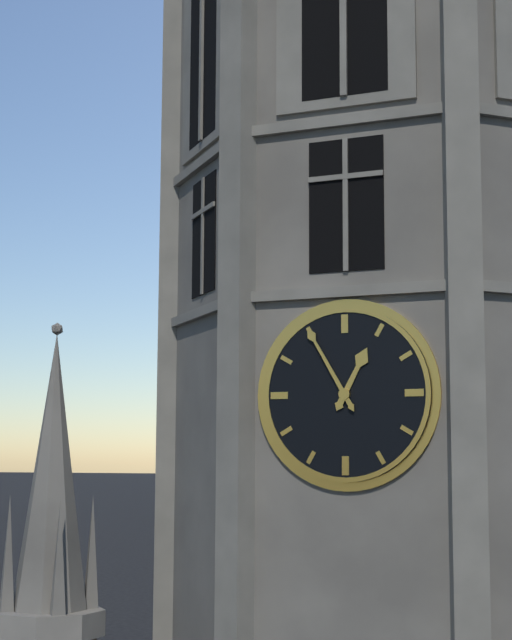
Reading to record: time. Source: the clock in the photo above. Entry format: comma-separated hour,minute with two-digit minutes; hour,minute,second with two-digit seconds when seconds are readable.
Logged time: 12,55
